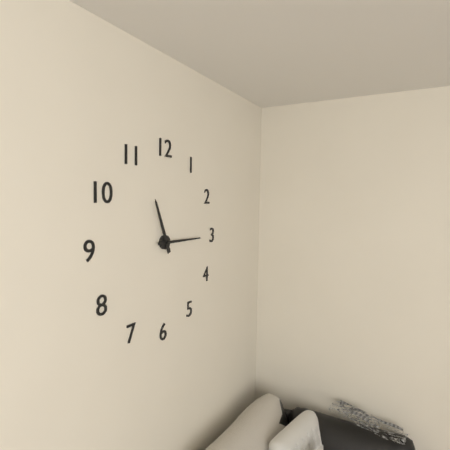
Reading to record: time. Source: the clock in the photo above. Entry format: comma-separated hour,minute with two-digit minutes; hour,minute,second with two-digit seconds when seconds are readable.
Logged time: 11,15
